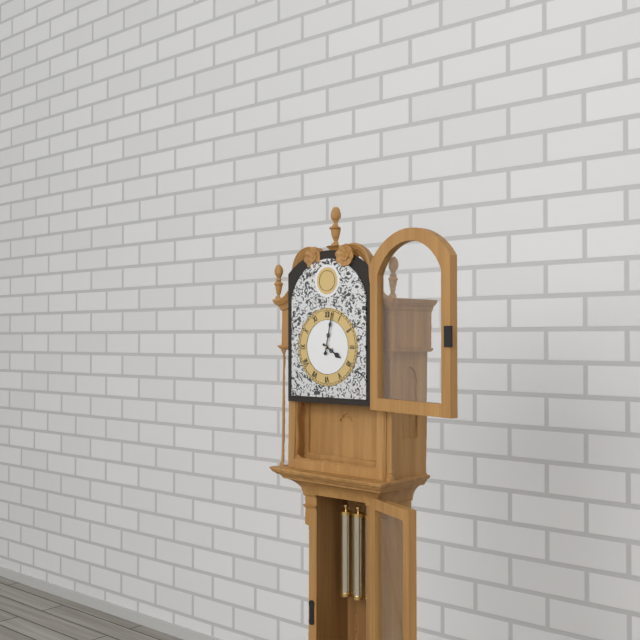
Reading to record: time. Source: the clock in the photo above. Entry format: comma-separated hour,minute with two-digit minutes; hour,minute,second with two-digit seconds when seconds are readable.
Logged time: 4,02
